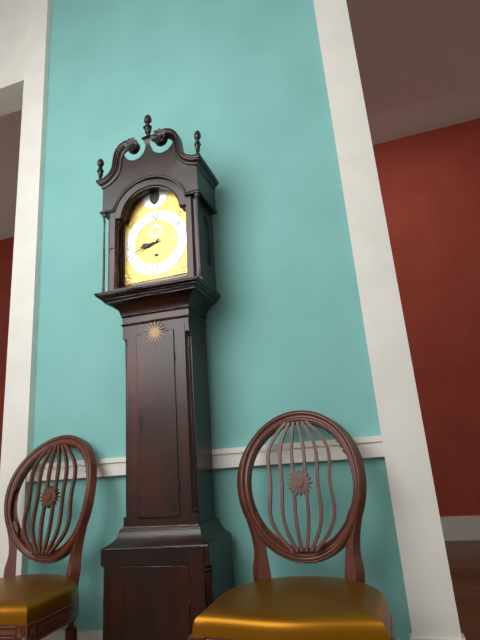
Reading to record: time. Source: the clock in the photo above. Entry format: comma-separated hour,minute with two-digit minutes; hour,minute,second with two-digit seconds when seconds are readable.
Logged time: 8,42
